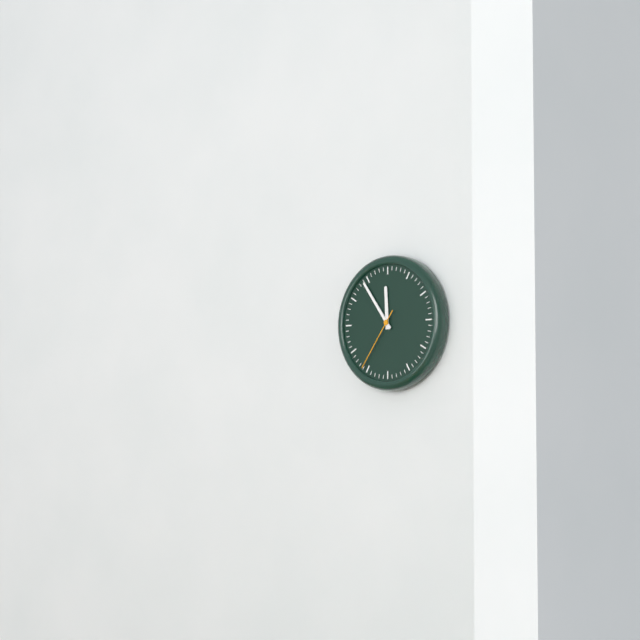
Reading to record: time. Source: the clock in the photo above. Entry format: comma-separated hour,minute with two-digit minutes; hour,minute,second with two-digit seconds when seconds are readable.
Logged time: 11,54,36
